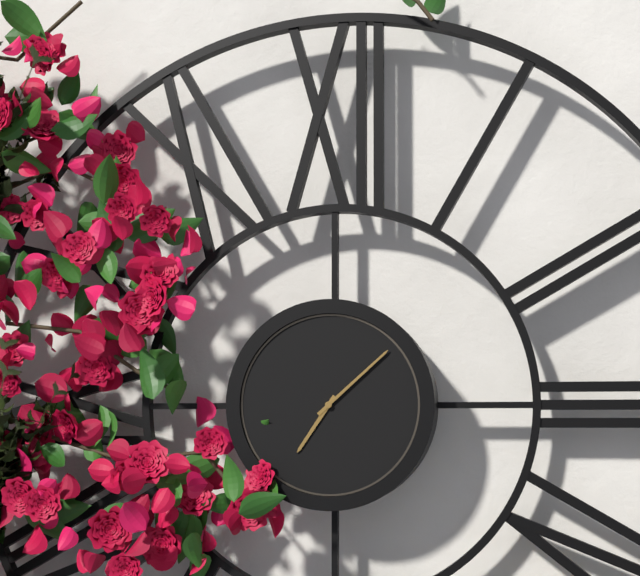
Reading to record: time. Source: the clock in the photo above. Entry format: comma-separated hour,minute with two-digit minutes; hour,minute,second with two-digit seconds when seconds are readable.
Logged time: 7,08
